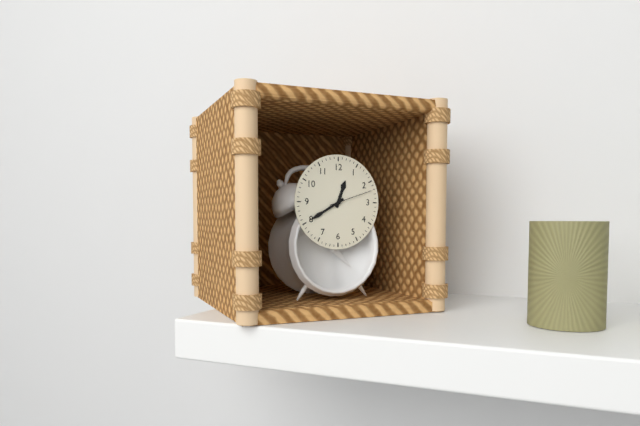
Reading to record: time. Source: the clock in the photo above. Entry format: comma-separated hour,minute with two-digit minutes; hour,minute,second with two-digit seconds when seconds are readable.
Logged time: 12,40
